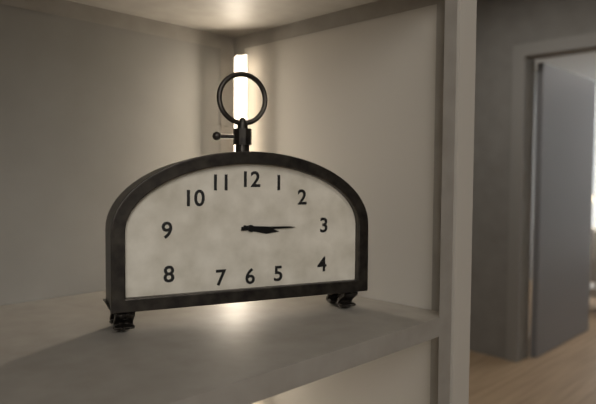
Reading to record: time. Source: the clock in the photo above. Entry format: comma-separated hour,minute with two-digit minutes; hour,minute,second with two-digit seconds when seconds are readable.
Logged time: 3,15
